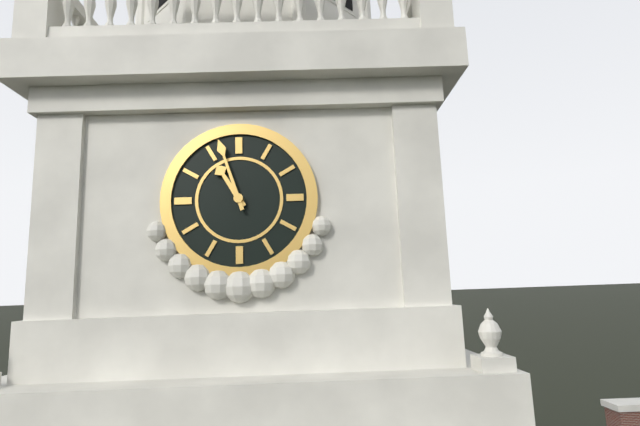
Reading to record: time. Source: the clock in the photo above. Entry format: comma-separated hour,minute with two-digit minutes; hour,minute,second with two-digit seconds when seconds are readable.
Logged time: 10,57
